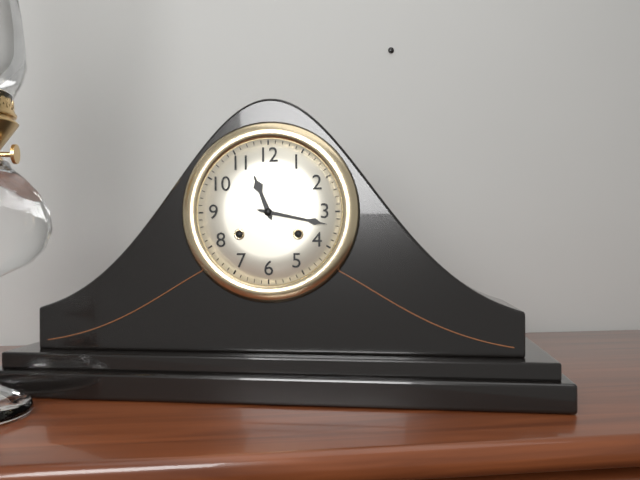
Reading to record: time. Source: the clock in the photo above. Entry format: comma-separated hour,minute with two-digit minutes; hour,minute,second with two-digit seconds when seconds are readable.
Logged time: 11,17
